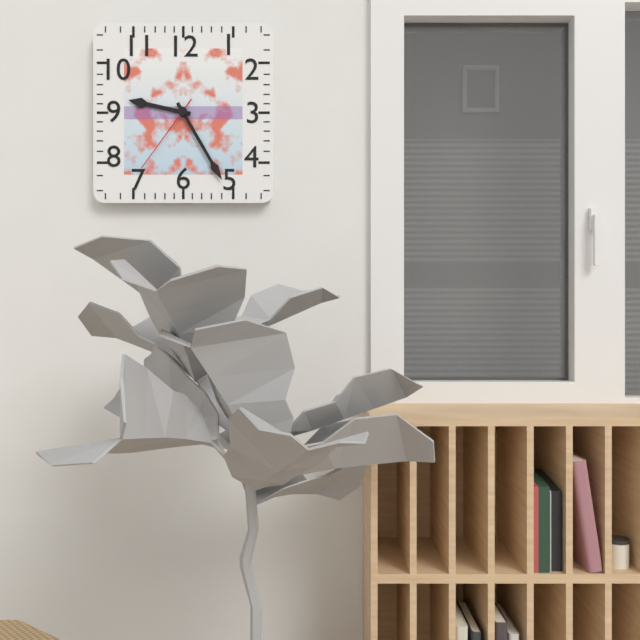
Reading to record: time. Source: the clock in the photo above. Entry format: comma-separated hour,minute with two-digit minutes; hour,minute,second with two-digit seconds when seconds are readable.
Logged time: 9,25,36
